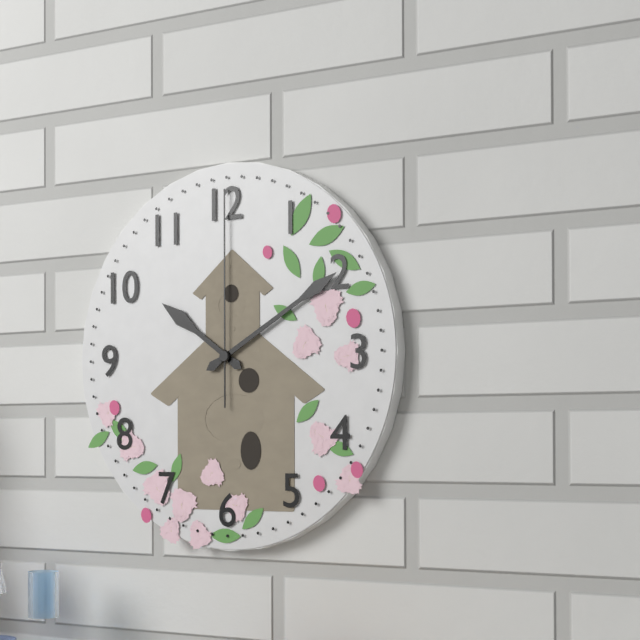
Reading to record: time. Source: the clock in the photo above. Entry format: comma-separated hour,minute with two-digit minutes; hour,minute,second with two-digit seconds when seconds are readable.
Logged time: 10,10,00
